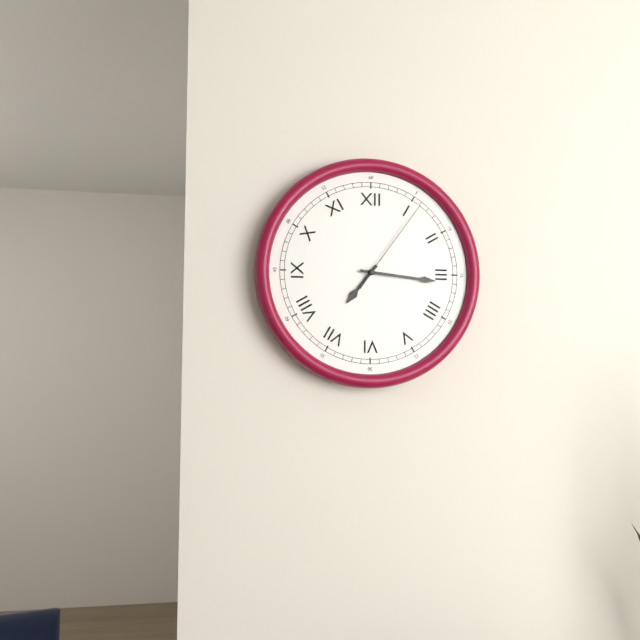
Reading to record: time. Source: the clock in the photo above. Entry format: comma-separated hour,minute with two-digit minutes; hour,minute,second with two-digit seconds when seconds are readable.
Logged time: 7,16,06
